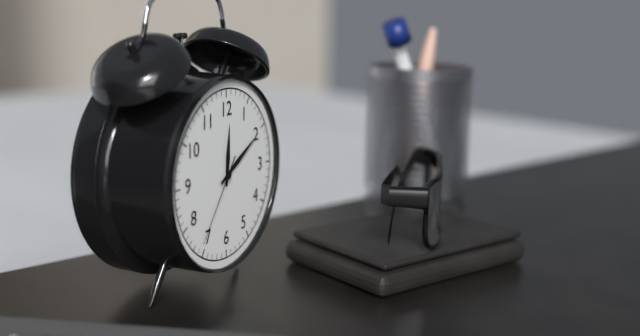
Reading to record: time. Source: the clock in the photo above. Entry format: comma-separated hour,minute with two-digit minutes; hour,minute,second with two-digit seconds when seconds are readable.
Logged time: 12,10,36
